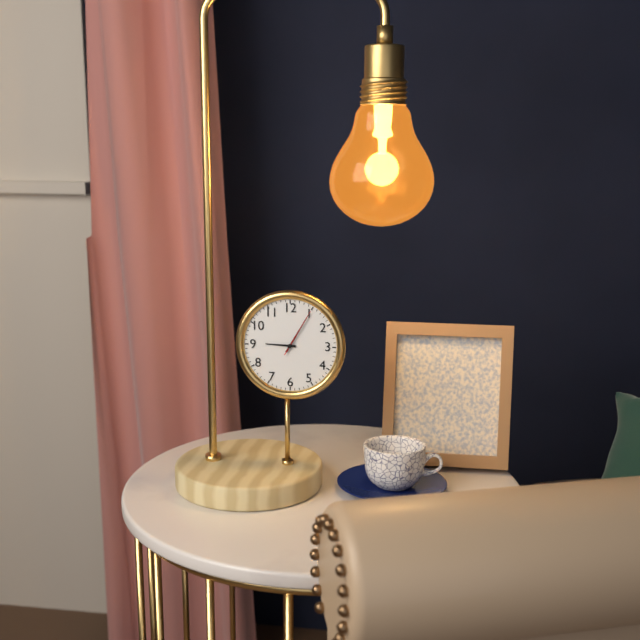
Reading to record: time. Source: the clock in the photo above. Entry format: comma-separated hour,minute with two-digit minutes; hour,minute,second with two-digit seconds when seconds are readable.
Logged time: 9,05,05
